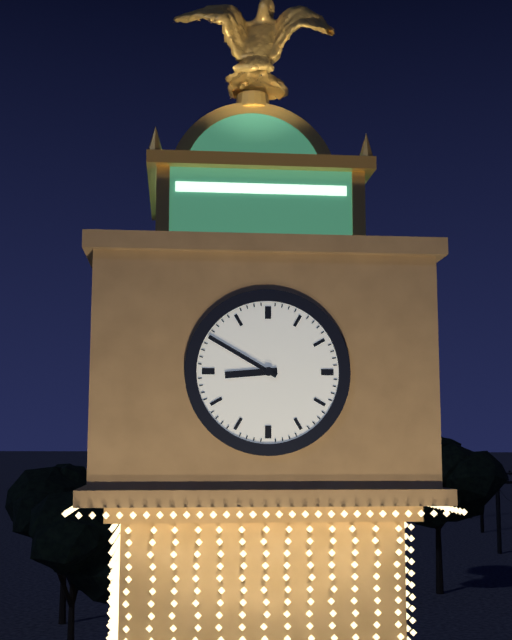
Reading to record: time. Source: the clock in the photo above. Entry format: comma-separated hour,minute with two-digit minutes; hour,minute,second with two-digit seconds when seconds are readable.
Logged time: 8,50
